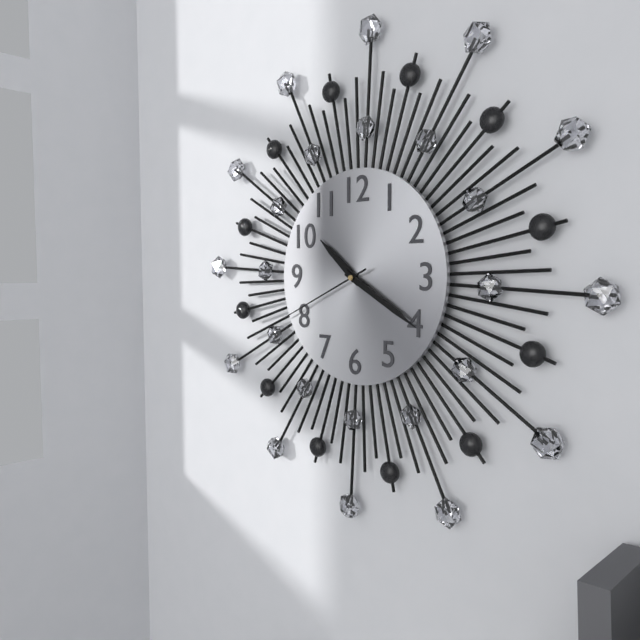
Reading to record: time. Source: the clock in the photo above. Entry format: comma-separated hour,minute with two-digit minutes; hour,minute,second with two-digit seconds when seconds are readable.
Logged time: 10,20,41
